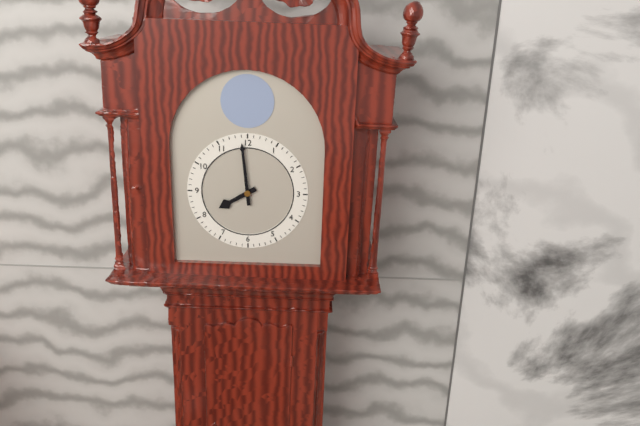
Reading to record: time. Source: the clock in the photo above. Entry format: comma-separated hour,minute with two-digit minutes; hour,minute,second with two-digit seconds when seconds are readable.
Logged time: 7,59
